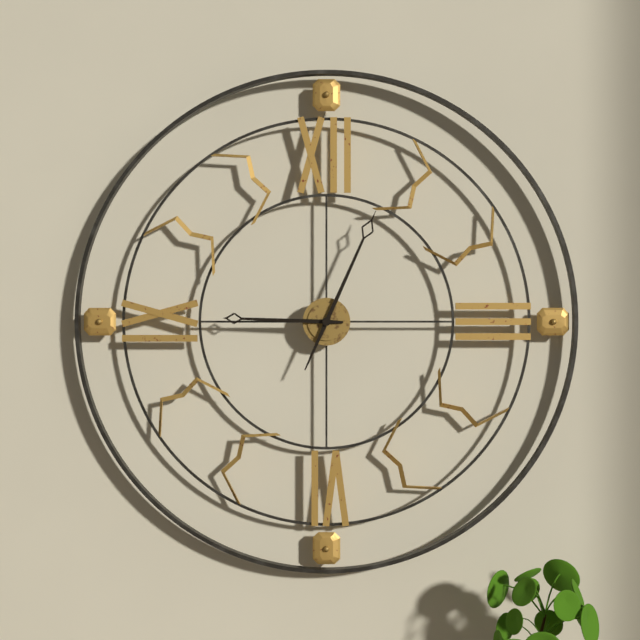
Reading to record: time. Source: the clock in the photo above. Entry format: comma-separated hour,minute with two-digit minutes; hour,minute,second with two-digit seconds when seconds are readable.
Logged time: 9,04
